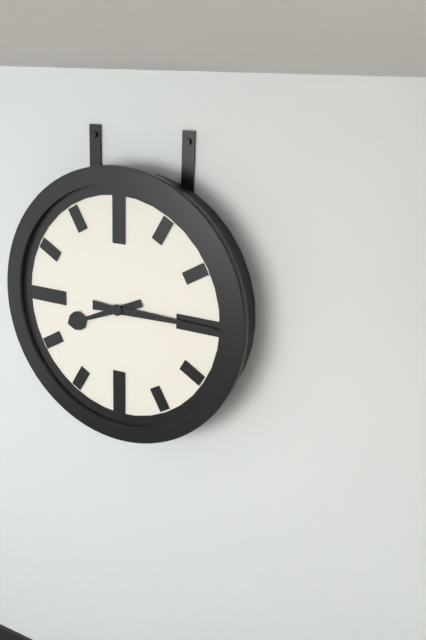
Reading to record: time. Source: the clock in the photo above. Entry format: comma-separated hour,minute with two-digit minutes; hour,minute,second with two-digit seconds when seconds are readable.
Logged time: 8,15
